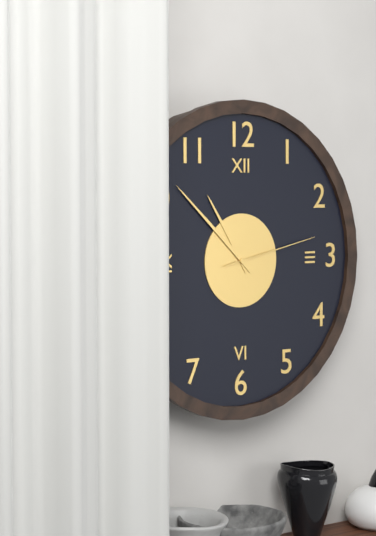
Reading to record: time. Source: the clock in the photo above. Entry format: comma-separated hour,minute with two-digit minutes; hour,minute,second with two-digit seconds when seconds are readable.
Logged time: 10,52,13
